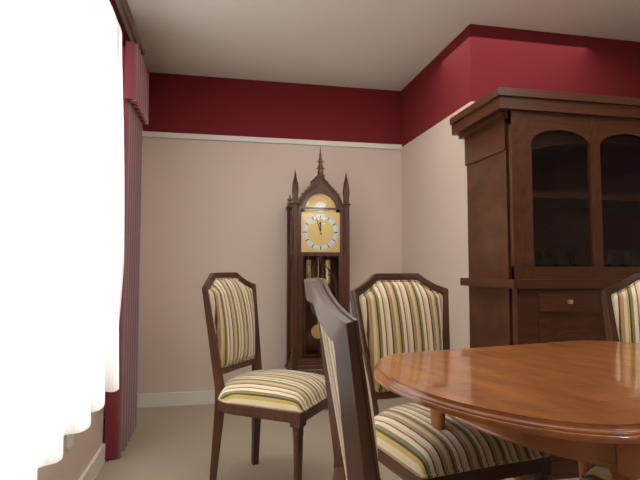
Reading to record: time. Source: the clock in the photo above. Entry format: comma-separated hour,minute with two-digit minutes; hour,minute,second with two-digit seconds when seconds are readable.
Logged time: 11,57
